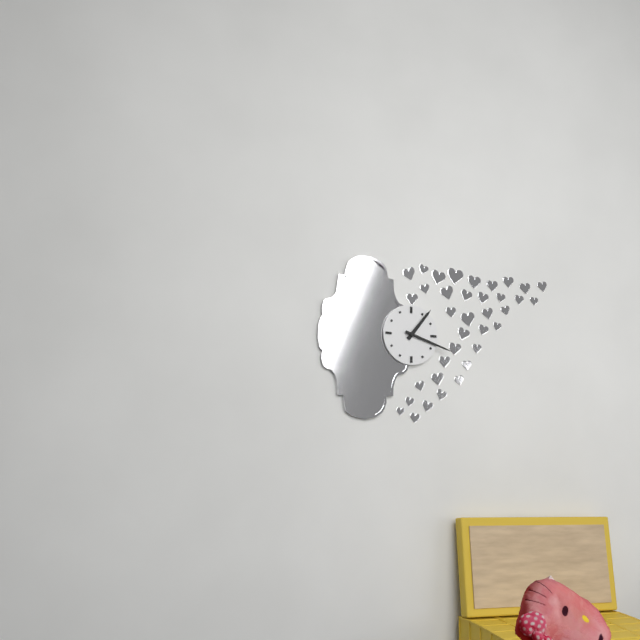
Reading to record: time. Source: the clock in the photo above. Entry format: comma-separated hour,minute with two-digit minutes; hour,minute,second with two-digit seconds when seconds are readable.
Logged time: 1,18
